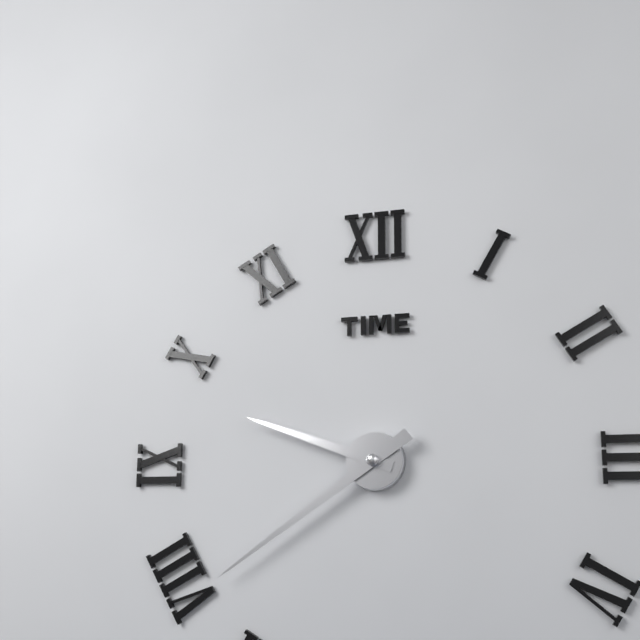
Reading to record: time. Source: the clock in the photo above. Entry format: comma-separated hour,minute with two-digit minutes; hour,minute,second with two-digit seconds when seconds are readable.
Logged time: 9,39
